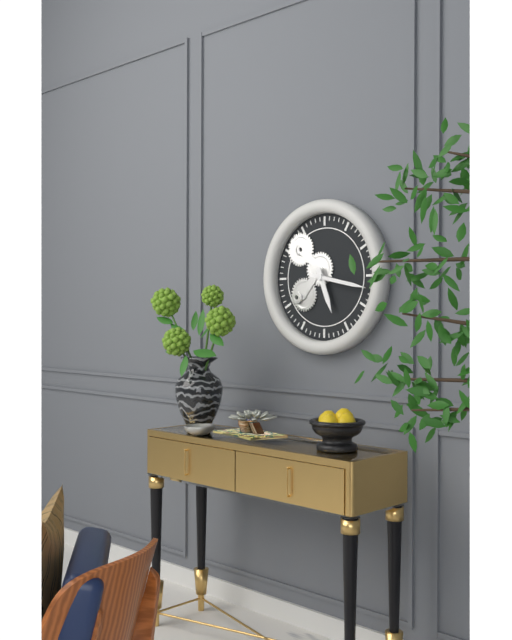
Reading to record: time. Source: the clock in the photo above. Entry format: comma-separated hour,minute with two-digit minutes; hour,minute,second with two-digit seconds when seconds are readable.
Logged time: 5,17
